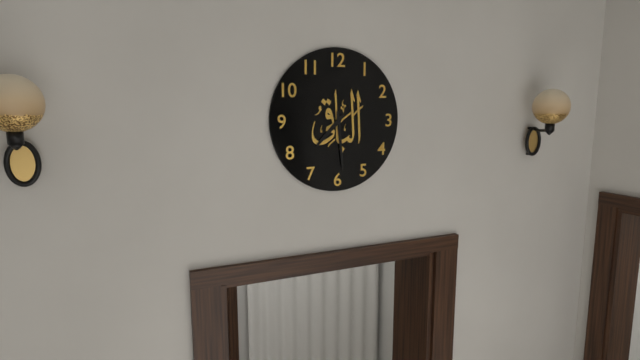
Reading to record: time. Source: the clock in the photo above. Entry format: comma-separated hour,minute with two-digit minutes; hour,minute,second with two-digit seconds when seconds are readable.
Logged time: 7,29
